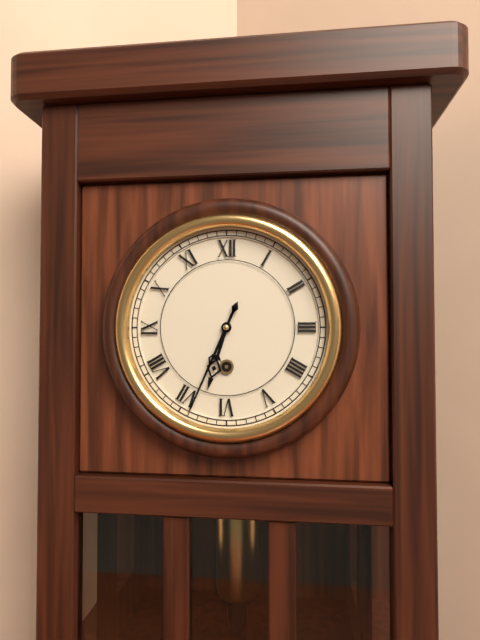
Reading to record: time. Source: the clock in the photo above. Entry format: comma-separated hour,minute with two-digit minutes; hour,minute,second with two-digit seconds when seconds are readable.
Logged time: 6,34
